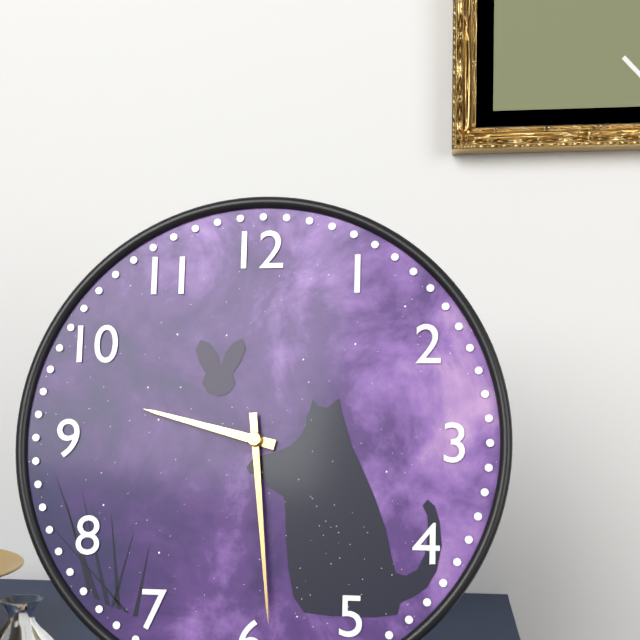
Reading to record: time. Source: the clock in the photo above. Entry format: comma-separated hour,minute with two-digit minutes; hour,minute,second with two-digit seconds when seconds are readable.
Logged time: 9,29
